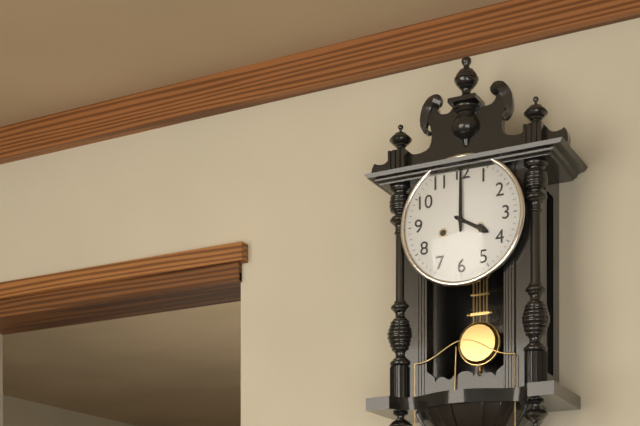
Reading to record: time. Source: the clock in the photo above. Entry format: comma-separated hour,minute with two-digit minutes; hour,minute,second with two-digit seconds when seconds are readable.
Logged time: 4,00
